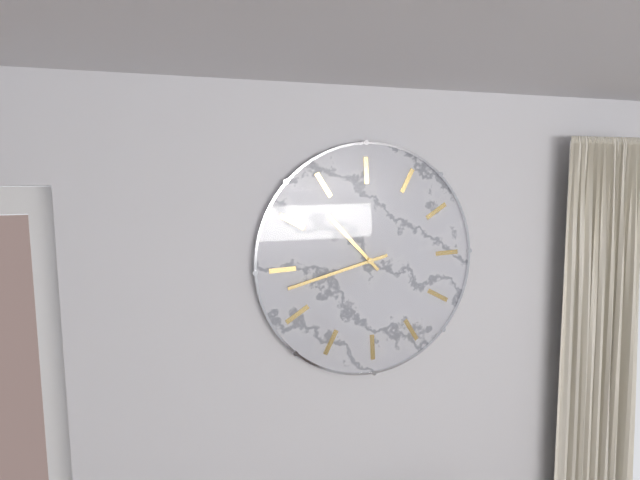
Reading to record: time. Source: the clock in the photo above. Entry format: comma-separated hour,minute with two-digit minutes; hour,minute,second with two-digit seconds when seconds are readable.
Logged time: 9,38
